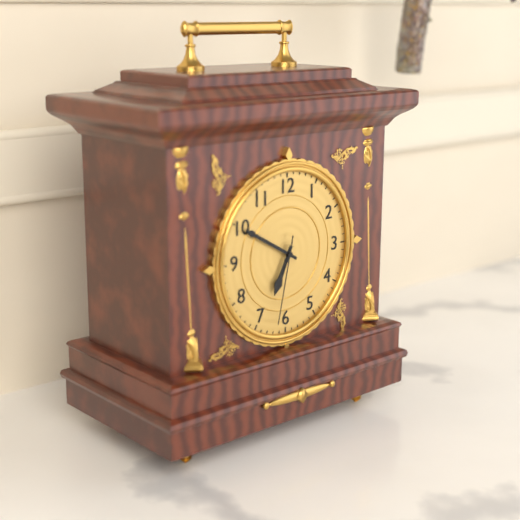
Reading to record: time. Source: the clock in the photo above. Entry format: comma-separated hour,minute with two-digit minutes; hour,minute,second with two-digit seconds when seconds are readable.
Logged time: 6,50,32
